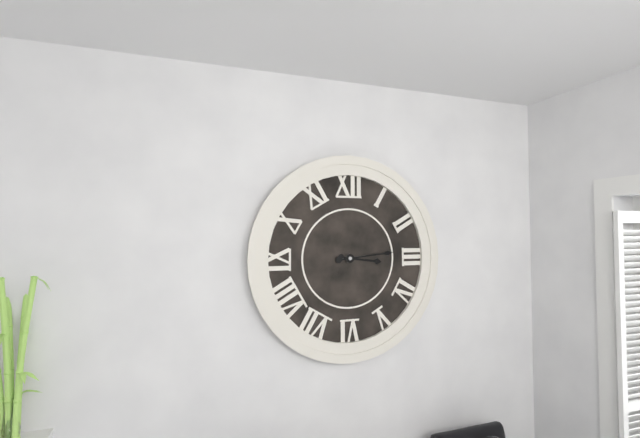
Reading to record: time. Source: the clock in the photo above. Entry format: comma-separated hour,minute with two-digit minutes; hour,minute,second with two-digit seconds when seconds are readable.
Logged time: 3,14
